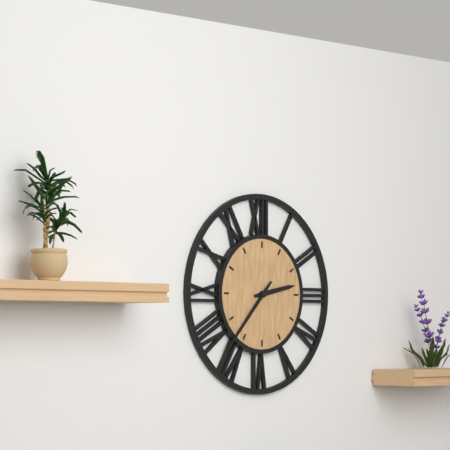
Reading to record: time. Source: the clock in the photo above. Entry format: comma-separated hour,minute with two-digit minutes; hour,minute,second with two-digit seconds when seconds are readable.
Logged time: 2,37
